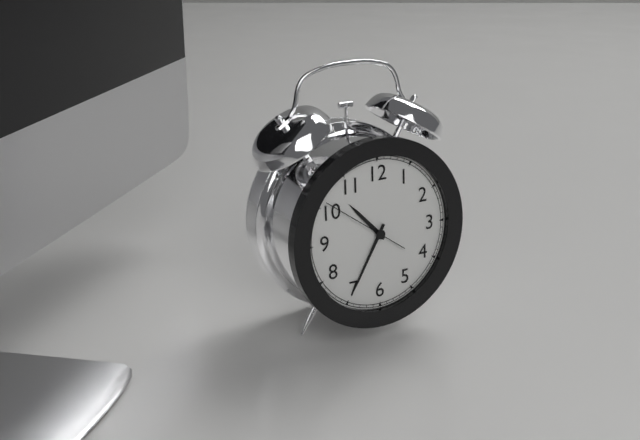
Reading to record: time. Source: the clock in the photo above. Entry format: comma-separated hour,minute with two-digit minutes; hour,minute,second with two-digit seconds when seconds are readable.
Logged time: 10,35,51
